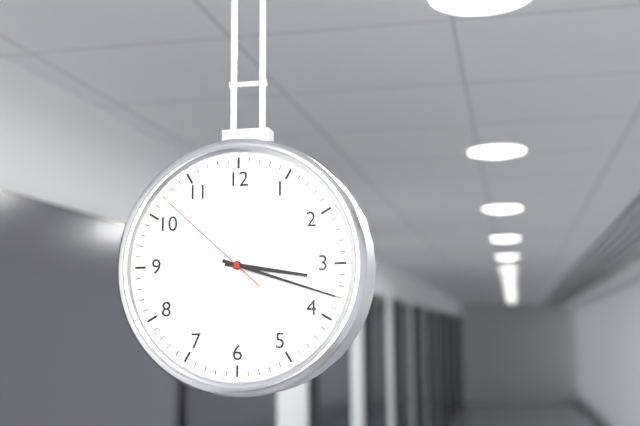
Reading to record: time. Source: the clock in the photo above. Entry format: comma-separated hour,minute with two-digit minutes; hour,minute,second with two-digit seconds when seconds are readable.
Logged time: 3,18,52
